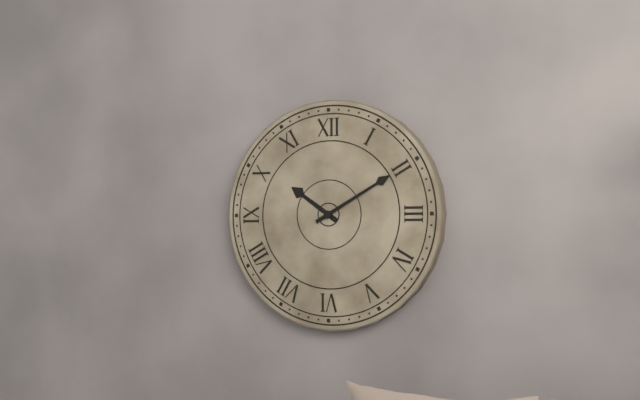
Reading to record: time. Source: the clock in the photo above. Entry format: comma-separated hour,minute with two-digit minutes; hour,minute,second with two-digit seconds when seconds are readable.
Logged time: 10,10
